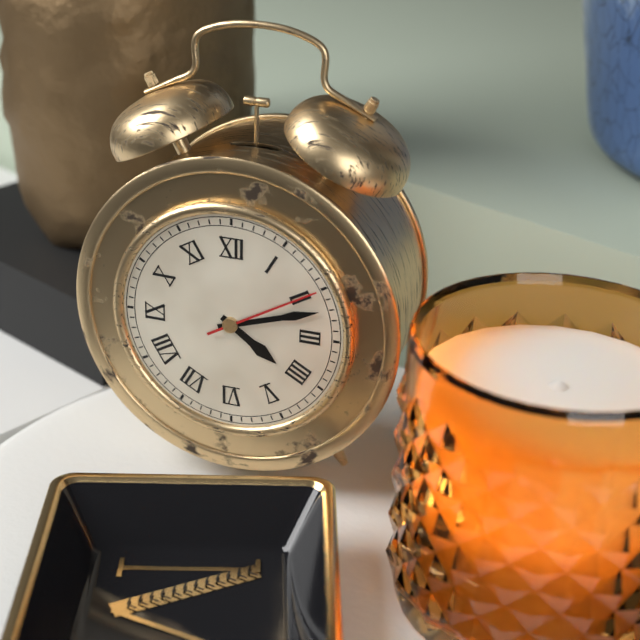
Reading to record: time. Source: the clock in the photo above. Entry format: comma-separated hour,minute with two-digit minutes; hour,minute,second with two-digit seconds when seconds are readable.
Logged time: 4,12,10
